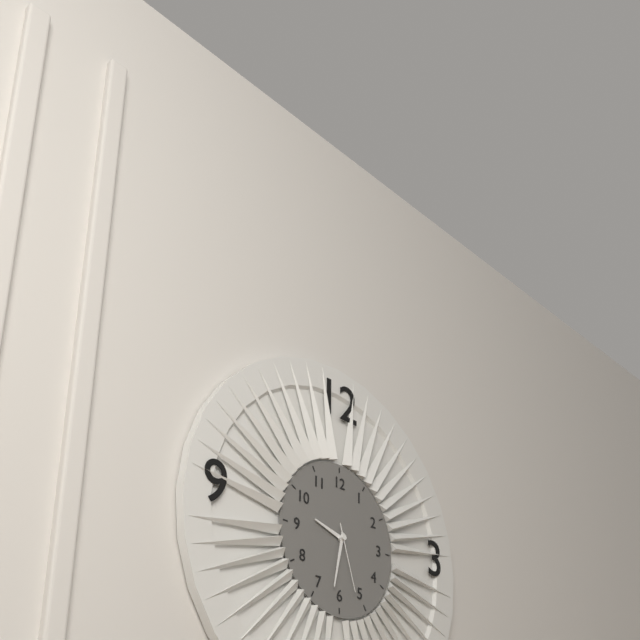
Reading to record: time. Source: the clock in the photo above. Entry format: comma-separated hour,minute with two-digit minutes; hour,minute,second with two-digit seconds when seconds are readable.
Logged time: 9,32,27
